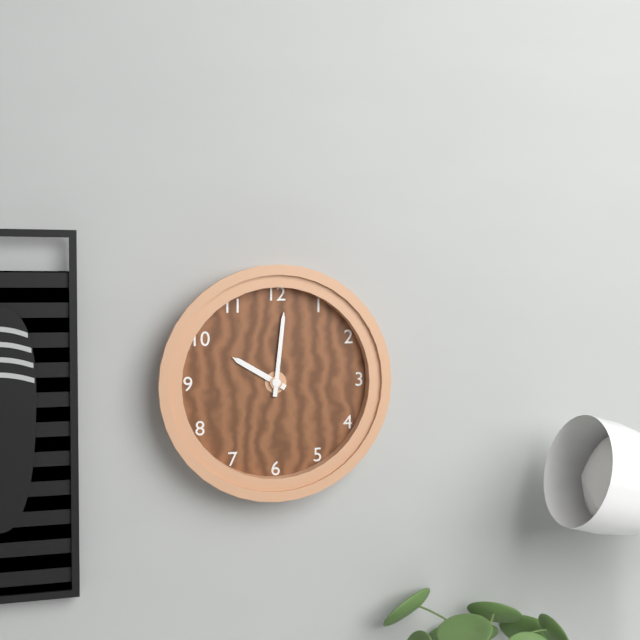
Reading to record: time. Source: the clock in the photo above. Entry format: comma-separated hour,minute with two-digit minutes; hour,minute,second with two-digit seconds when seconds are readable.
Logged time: 10,01
